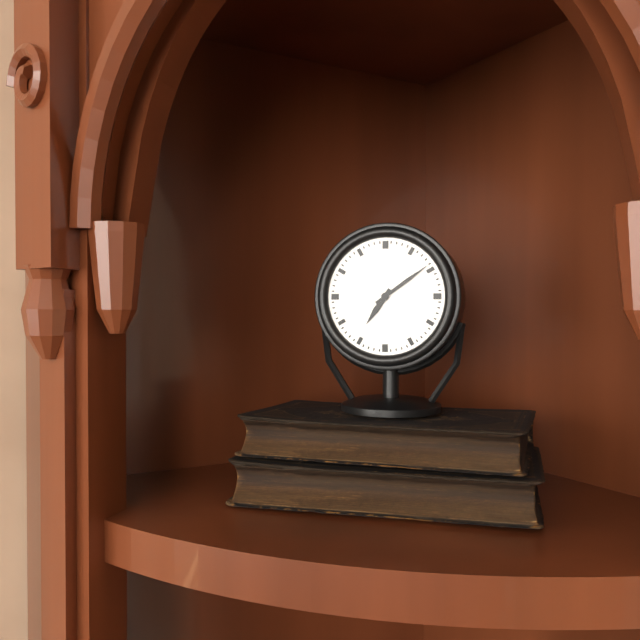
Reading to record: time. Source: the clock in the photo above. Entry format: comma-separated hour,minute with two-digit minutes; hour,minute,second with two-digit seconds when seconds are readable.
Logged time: 7,09
